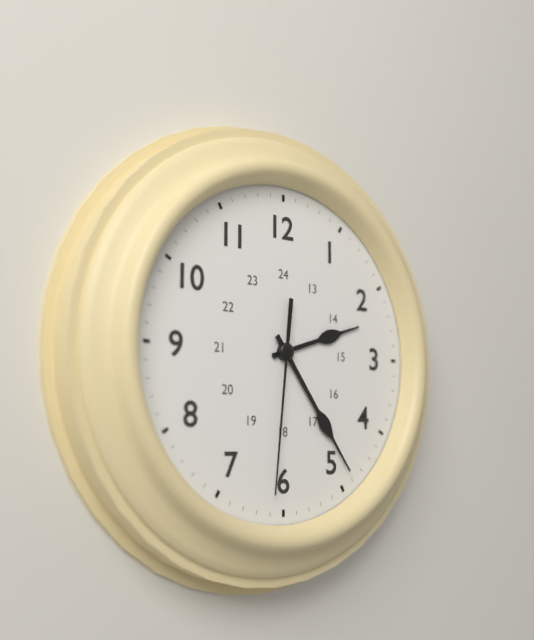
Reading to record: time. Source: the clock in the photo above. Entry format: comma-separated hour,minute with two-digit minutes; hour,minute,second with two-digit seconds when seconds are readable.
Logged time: 2,24,31
